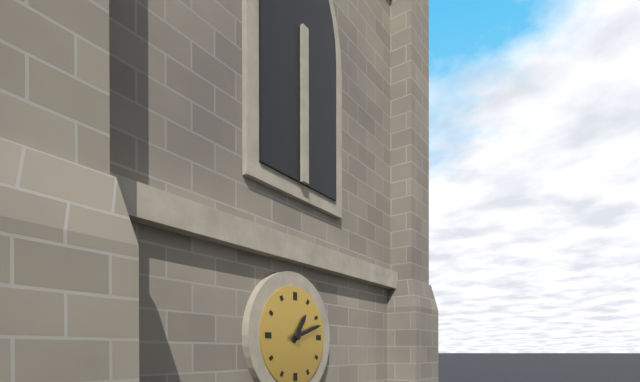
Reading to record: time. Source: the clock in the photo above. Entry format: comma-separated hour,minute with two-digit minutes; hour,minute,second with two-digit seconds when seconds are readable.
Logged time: 1,12
